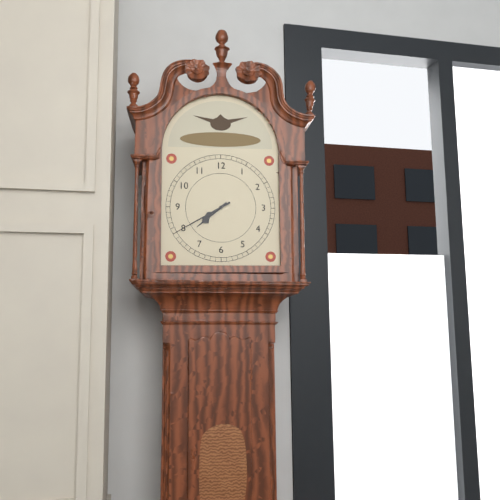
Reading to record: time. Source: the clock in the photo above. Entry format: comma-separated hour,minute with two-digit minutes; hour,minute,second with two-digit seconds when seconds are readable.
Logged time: 7,40
